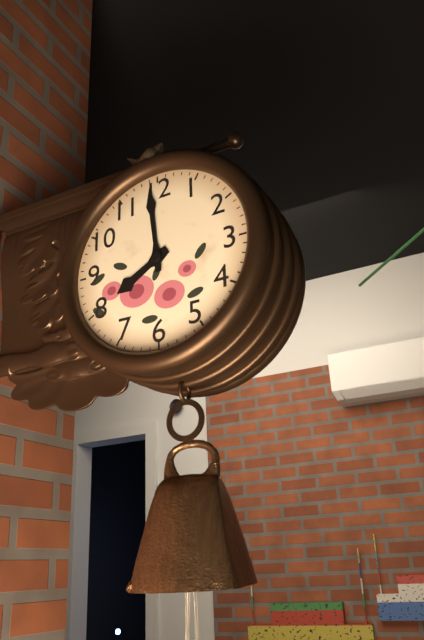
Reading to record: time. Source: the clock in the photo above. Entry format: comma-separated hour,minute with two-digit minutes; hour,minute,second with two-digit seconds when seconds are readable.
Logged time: 7,59
